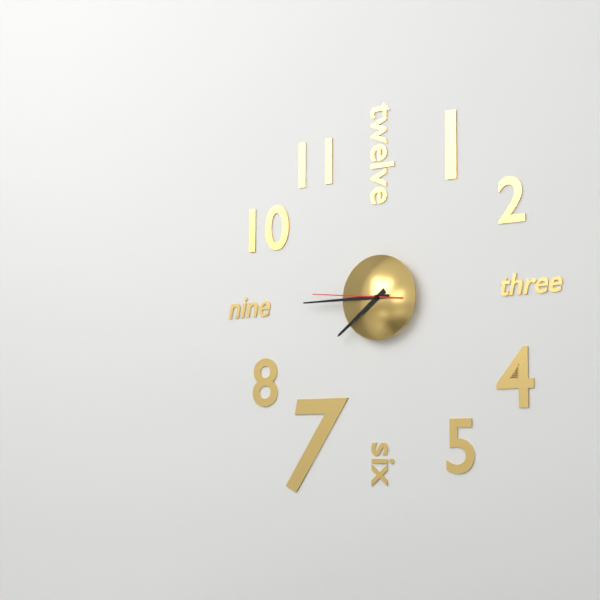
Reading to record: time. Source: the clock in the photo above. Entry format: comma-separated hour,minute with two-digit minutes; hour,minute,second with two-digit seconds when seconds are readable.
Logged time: 7,45,46
